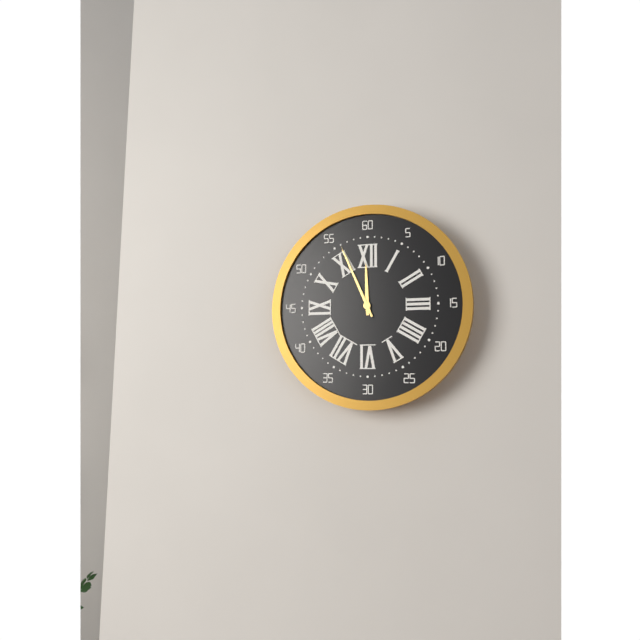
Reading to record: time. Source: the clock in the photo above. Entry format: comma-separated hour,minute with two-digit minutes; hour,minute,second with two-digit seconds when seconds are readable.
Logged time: 11,56
